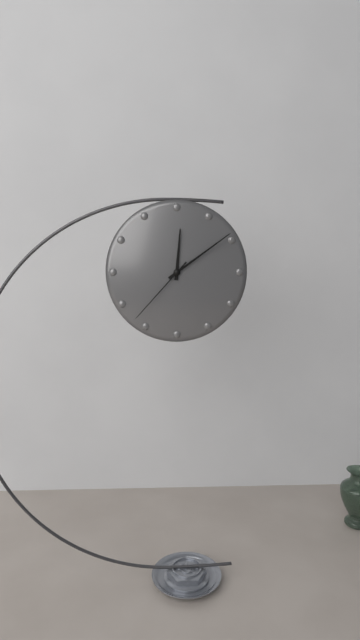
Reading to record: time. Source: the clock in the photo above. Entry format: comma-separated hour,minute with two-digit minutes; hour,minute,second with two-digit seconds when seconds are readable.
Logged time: 12,09,37
